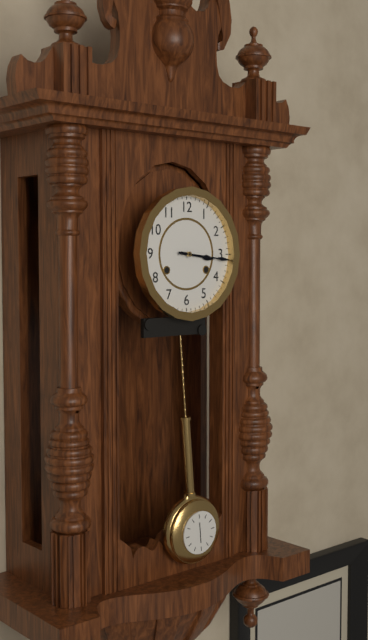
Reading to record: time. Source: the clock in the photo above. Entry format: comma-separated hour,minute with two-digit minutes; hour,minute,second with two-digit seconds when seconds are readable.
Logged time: 3,16
